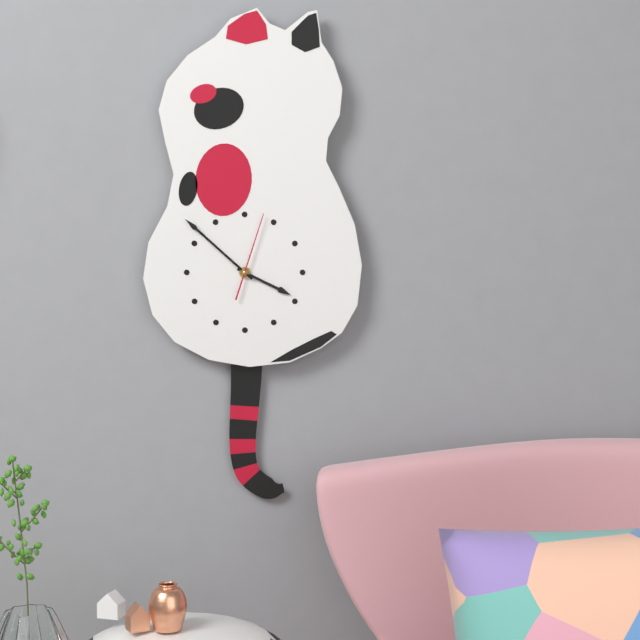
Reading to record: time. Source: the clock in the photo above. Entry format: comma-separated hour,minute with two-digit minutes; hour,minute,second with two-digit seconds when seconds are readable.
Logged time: 3,52,03
